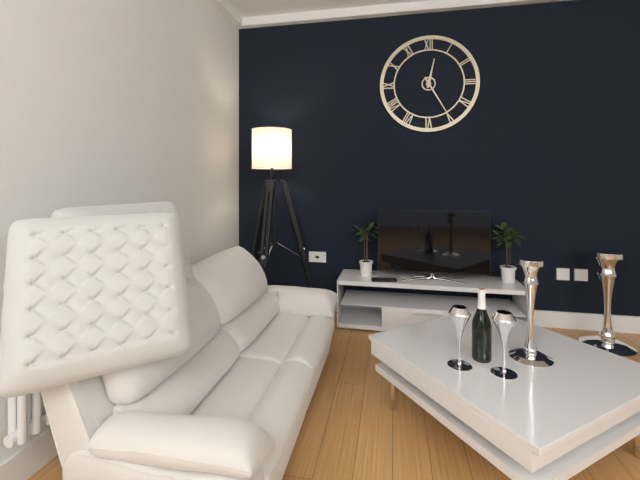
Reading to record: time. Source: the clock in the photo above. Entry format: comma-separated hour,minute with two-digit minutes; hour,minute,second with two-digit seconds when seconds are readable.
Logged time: 12,25
